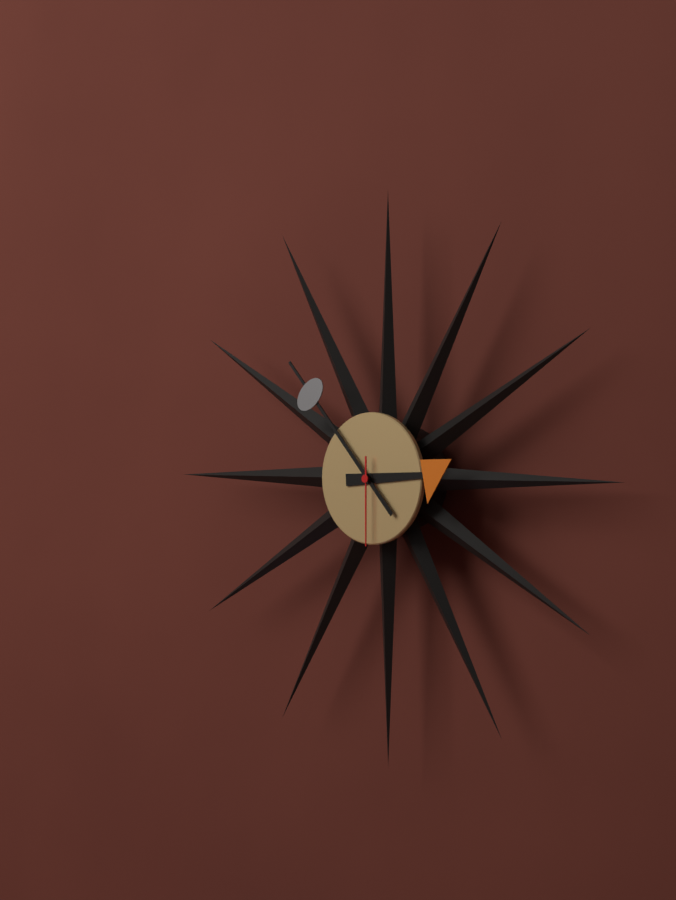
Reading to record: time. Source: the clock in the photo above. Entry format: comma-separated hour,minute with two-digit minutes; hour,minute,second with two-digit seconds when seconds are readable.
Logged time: 2,53,30
